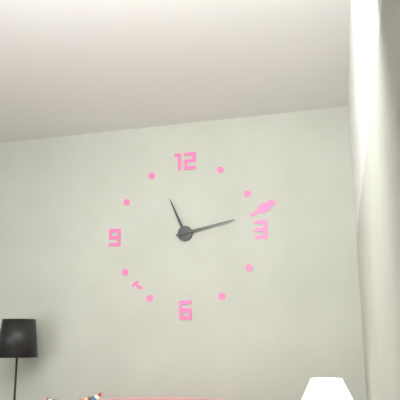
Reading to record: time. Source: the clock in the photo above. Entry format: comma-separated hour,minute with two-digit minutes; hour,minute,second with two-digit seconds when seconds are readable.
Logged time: 11,13
